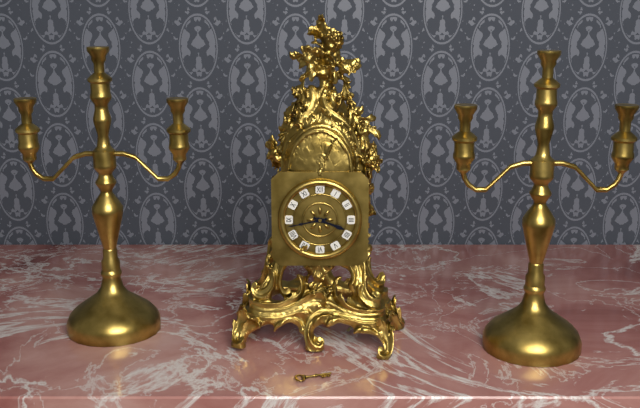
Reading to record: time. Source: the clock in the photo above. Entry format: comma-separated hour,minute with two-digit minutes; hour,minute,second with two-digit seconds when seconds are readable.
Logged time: 3,43
